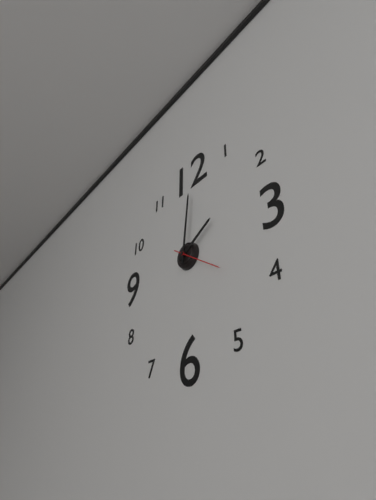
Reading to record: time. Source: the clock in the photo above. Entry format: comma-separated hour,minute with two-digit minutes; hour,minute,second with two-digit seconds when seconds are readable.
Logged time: 2,01
